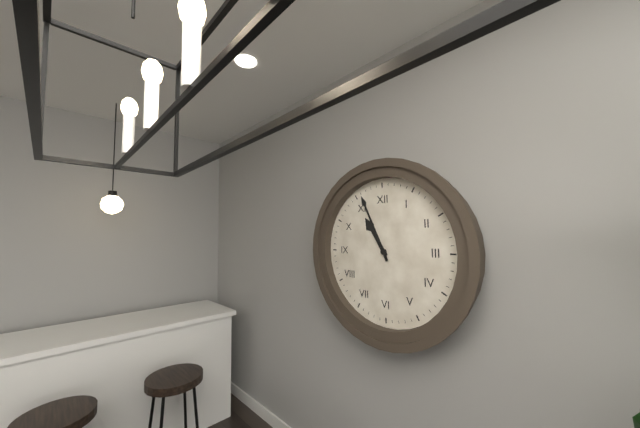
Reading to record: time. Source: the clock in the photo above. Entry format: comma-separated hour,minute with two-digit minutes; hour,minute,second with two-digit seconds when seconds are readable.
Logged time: 10,56
